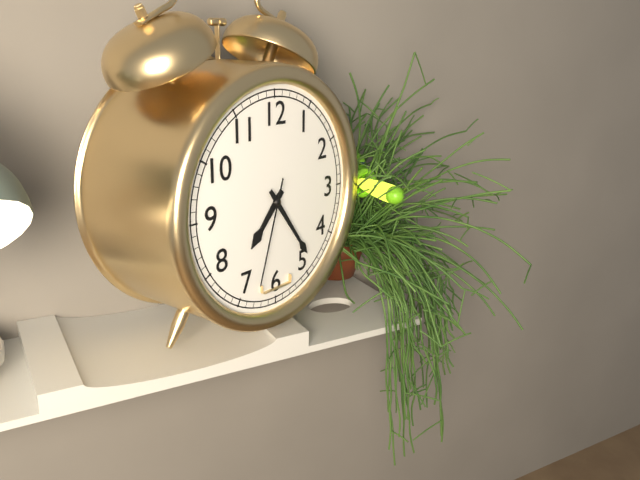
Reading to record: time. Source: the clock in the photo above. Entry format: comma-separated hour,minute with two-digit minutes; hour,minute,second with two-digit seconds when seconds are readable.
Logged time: 7,24,33
